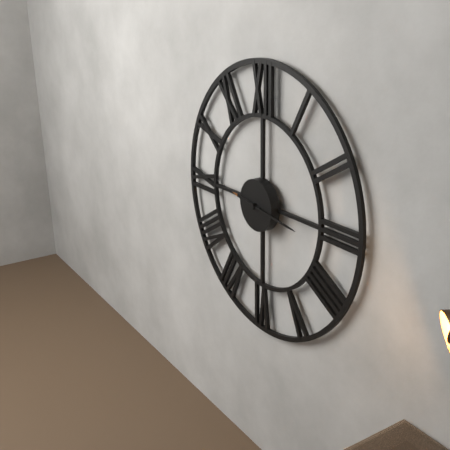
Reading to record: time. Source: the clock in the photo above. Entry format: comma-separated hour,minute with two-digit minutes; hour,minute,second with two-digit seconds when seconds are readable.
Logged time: 9,16
